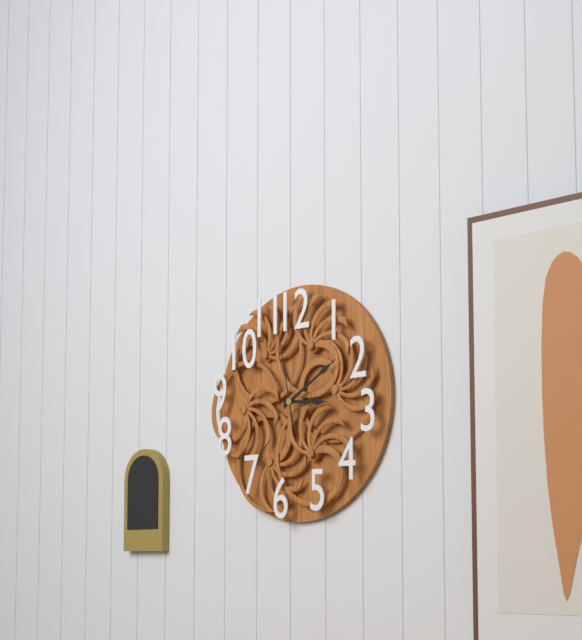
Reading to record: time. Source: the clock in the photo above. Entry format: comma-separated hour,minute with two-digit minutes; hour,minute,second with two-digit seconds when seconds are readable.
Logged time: 3,10,58
